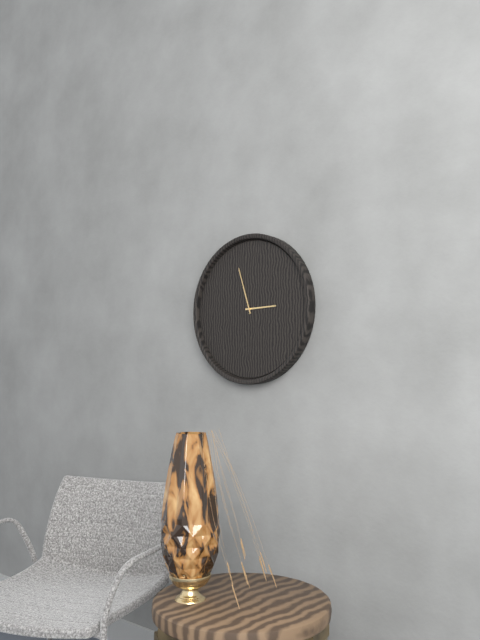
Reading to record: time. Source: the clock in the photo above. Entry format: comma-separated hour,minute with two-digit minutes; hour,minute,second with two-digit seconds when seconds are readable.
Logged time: 2,57
